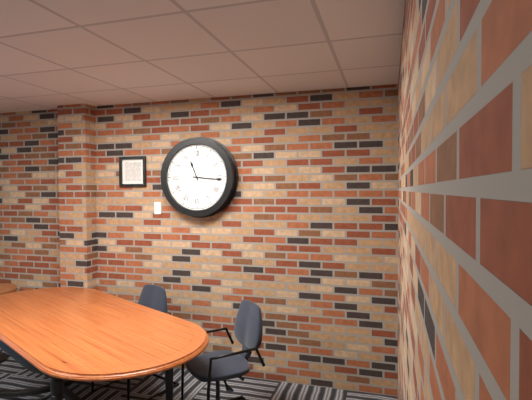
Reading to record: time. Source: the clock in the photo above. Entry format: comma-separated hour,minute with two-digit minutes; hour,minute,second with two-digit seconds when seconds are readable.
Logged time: 11,16
